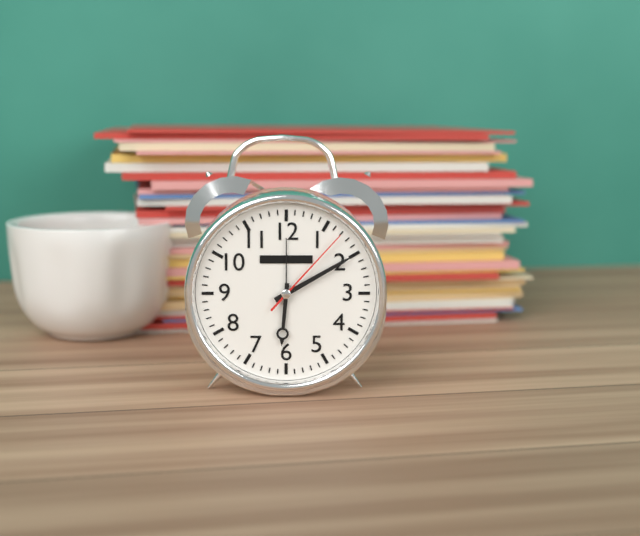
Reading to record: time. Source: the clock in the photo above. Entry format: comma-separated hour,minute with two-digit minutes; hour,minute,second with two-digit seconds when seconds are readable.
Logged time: 6,10,07
